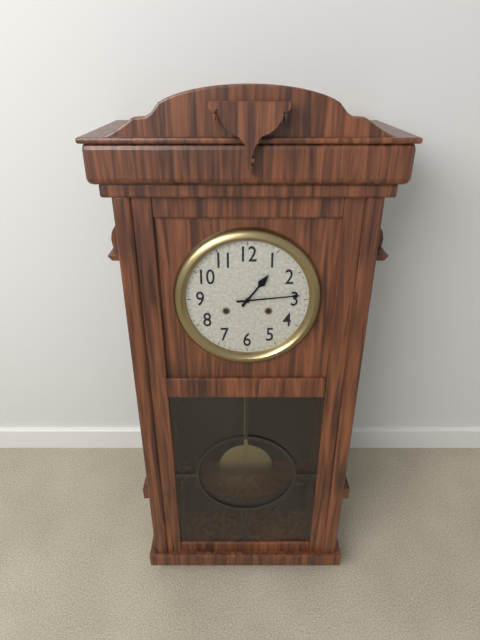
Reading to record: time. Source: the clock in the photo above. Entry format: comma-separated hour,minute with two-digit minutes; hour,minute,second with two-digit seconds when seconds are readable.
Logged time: 1,14
